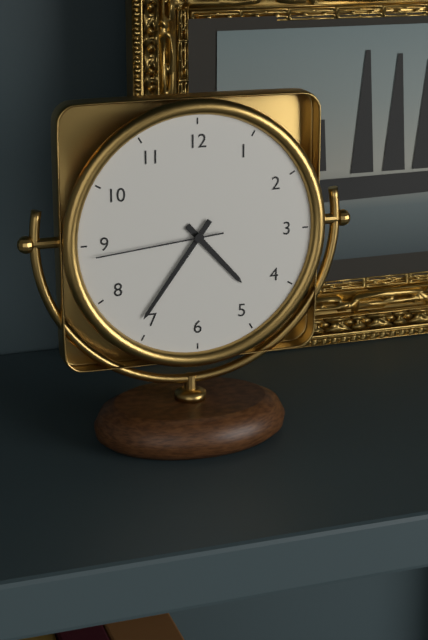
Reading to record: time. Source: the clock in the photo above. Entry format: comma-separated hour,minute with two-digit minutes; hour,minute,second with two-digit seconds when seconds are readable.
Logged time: 4,36,44
